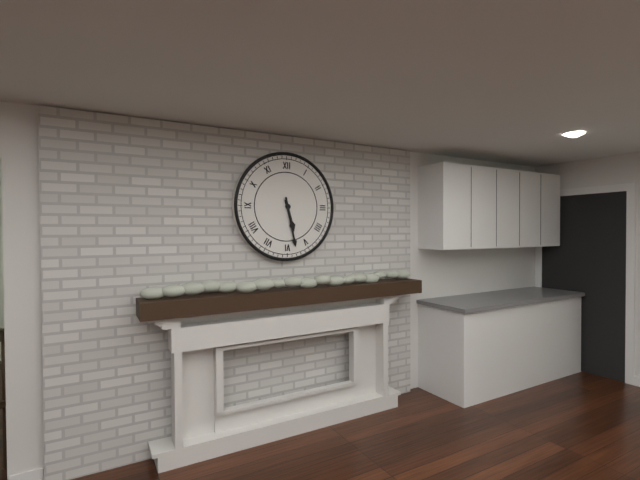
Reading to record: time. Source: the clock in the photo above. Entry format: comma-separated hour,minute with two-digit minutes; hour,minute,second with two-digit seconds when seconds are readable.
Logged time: 5,28
